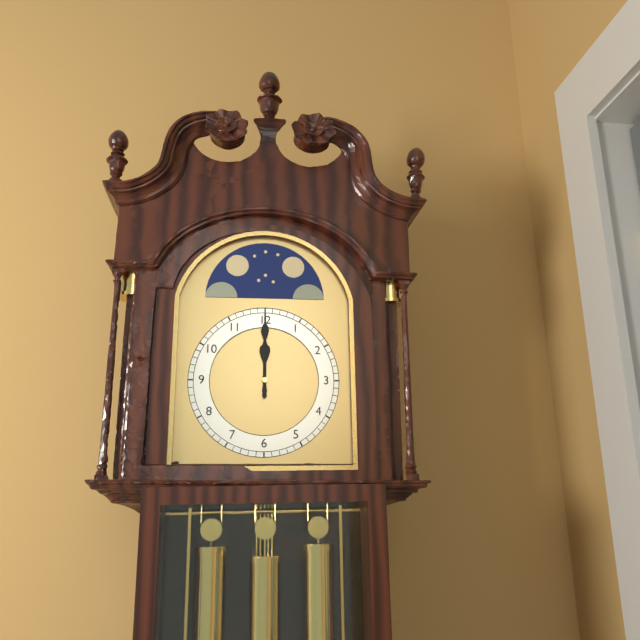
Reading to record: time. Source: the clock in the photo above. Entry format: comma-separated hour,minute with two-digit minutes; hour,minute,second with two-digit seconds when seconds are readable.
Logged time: 12,00
